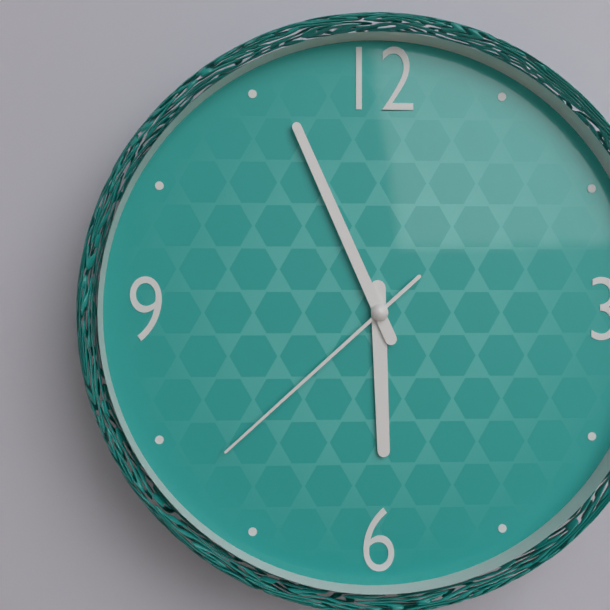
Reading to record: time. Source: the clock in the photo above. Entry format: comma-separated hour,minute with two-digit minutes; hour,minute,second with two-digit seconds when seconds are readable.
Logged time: 5,56,38
